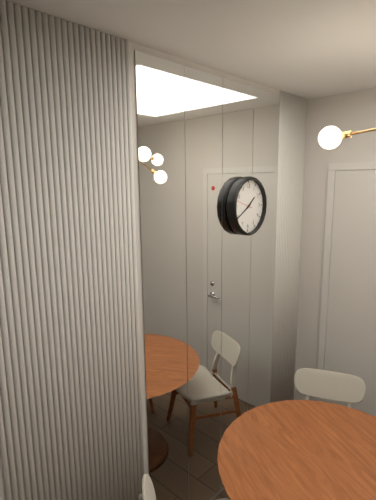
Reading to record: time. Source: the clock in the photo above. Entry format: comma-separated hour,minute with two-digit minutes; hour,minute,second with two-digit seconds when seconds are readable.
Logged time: 1,40
